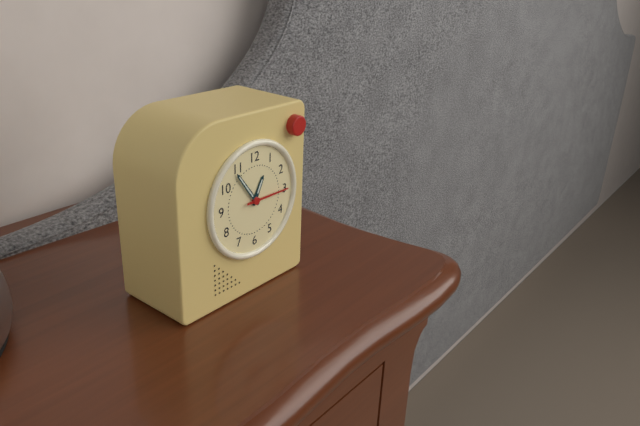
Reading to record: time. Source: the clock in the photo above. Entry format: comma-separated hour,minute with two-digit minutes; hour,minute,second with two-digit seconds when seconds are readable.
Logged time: 12,54
